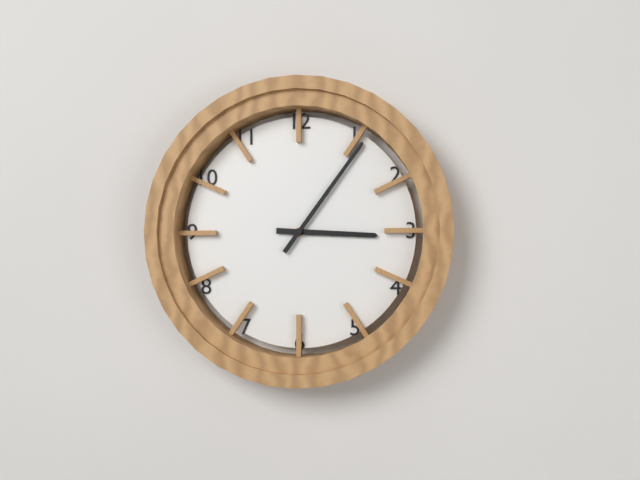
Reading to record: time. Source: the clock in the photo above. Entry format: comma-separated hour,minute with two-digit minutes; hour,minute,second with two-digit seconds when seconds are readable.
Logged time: 3,06
